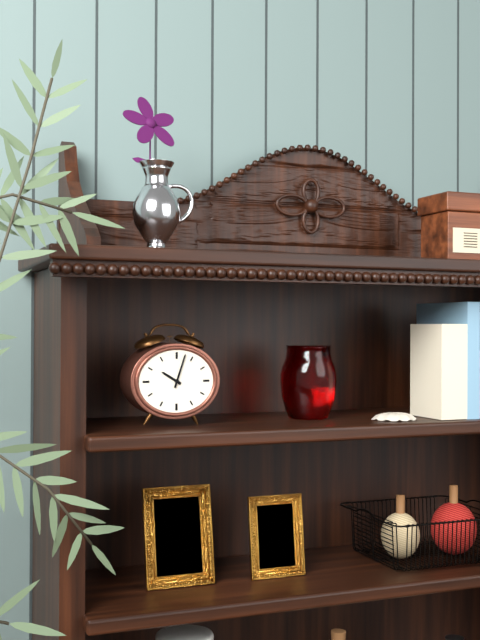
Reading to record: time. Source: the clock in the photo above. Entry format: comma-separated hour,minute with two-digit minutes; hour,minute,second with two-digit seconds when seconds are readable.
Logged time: 10,03
